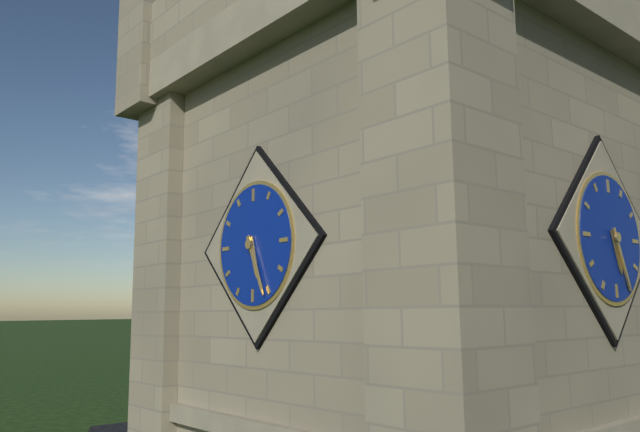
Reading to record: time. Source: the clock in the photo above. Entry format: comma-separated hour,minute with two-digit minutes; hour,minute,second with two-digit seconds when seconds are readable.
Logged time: 5,26
